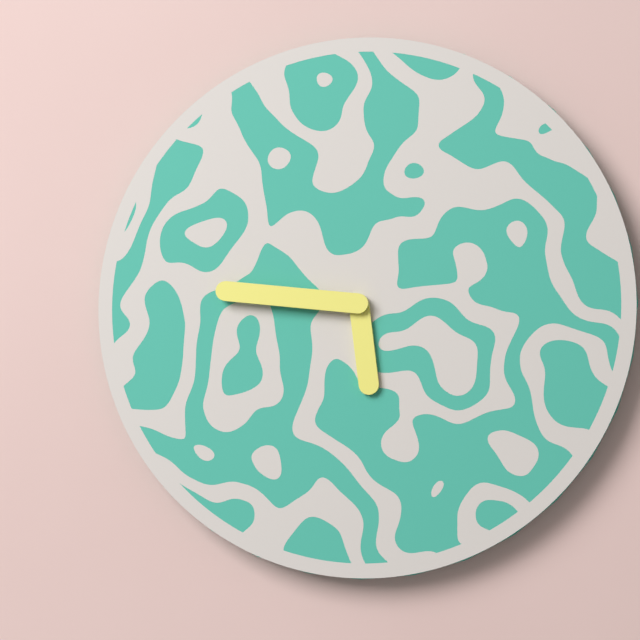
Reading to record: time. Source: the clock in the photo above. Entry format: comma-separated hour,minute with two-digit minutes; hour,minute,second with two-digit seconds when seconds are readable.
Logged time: 5,46
